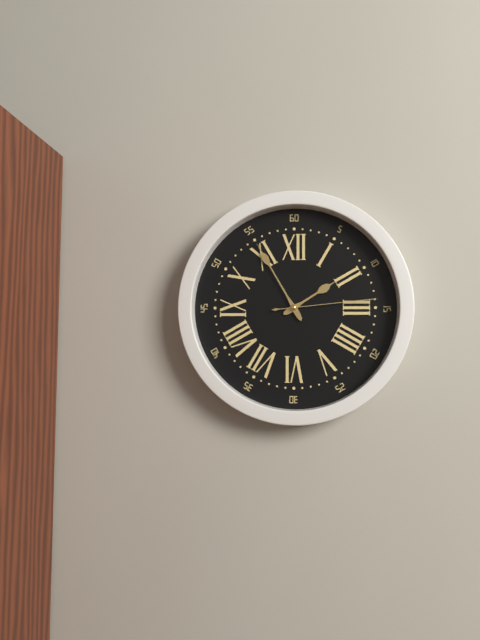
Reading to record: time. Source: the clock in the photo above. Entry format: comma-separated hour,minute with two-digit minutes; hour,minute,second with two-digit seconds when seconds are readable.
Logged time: 1,55,14
